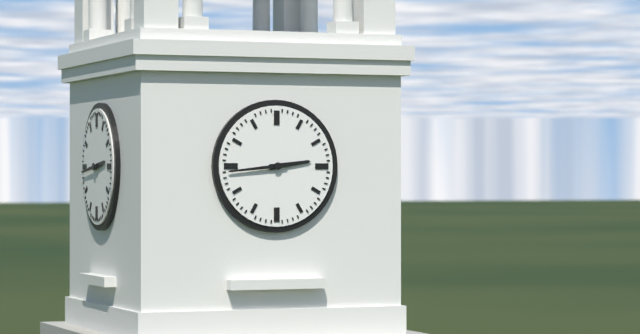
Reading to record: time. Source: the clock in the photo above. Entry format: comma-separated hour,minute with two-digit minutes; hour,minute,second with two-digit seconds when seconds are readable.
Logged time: 2,44
